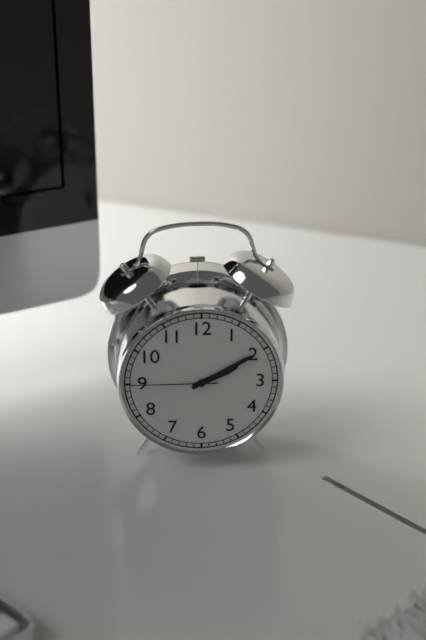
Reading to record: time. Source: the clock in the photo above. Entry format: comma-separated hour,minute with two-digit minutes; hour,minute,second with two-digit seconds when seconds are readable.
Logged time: 2,10,45
